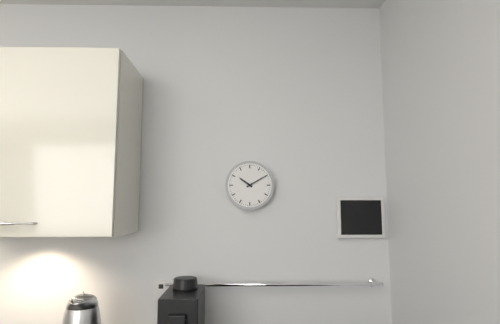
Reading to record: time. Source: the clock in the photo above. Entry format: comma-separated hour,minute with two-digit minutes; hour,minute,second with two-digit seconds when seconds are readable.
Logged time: 10,10
